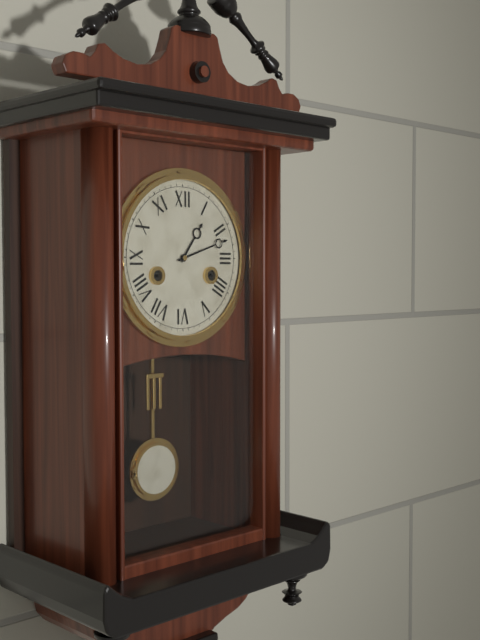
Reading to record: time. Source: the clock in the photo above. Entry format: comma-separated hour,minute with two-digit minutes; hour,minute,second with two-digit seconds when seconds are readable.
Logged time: 1,12
